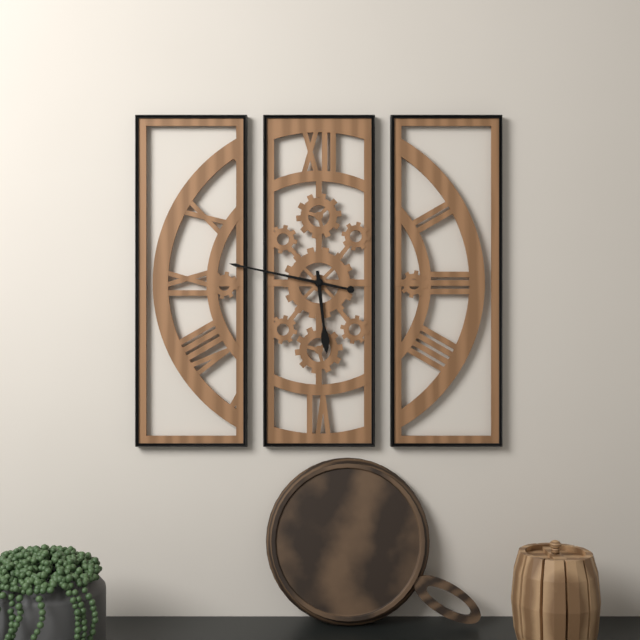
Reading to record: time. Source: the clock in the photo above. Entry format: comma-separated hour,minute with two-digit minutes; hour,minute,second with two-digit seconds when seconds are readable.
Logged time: 5,47
